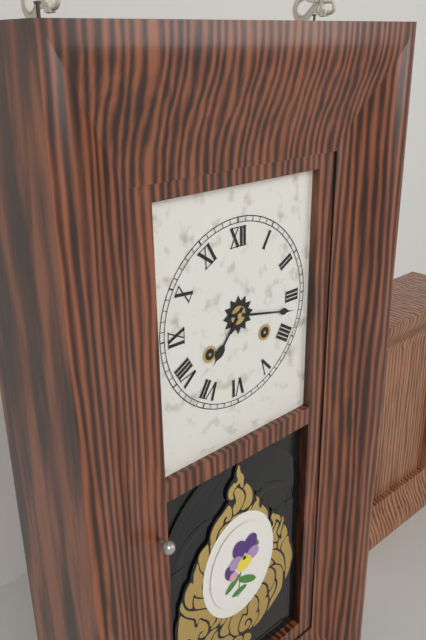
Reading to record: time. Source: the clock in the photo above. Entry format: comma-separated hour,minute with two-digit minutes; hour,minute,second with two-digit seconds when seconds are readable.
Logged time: 7,17
